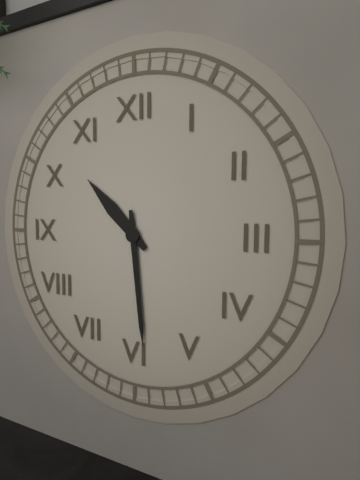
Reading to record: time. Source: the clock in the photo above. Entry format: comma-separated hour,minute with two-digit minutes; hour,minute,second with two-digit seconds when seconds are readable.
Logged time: 10,29
